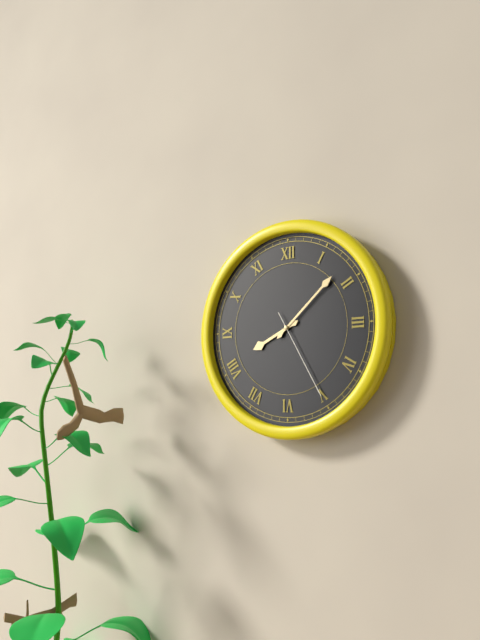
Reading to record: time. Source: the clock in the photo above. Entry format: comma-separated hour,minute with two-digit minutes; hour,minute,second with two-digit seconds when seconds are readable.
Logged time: 8,08,25
